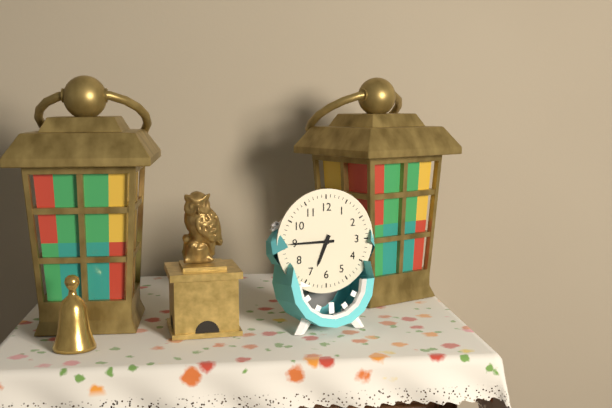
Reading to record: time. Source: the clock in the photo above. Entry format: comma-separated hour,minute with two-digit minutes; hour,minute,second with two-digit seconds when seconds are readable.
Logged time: 6,45
